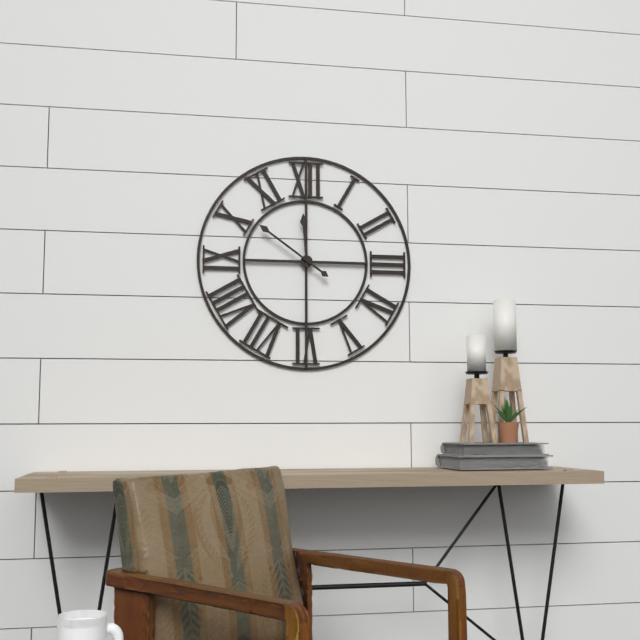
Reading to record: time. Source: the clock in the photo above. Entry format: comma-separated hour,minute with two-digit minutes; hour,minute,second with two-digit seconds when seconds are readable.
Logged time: 11,51
